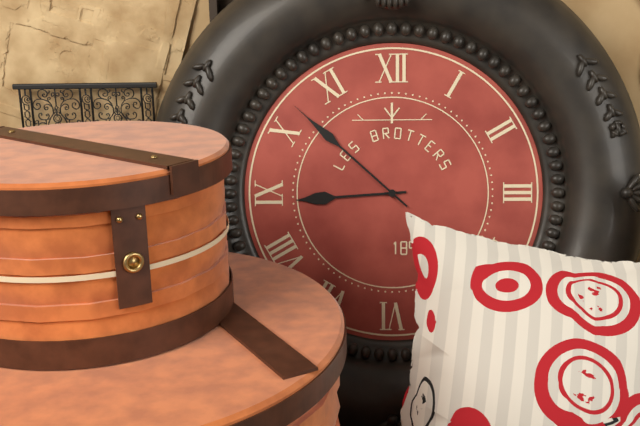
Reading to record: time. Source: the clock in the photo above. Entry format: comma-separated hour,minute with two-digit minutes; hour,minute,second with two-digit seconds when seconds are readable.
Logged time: 8,52
